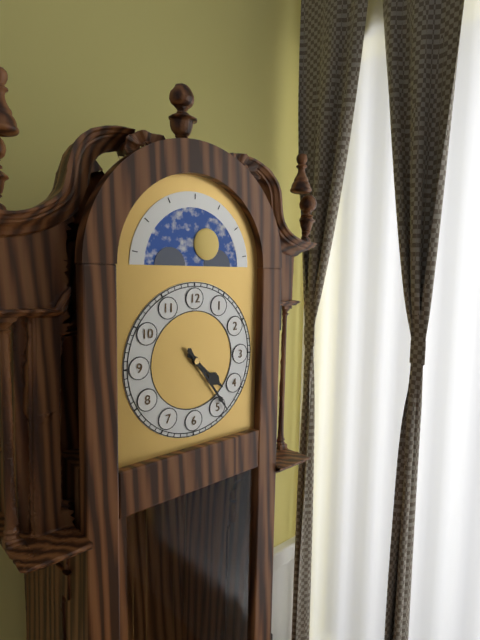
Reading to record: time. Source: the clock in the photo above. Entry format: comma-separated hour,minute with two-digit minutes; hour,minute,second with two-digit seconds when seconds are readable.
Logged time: 4,24
